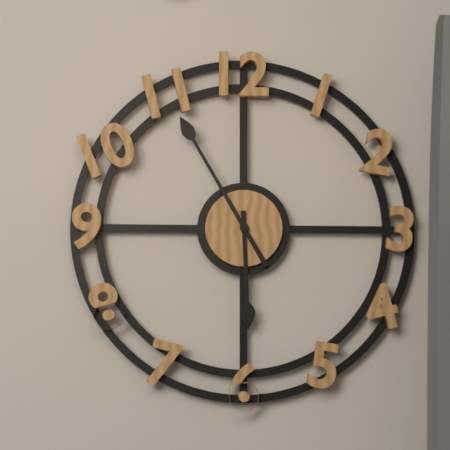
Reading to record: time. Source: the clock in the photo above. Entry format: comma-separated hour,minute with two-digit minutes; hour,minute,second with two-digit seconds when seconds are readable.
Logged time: 5,55
